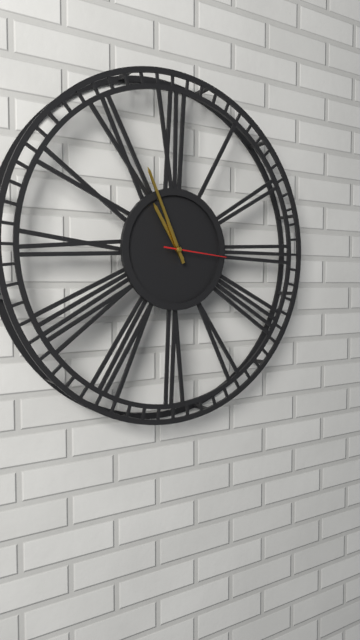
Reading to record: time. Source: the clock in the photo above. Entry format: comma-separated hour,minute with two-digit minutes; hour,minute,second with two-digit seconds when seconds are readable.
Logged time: 10,56,16
